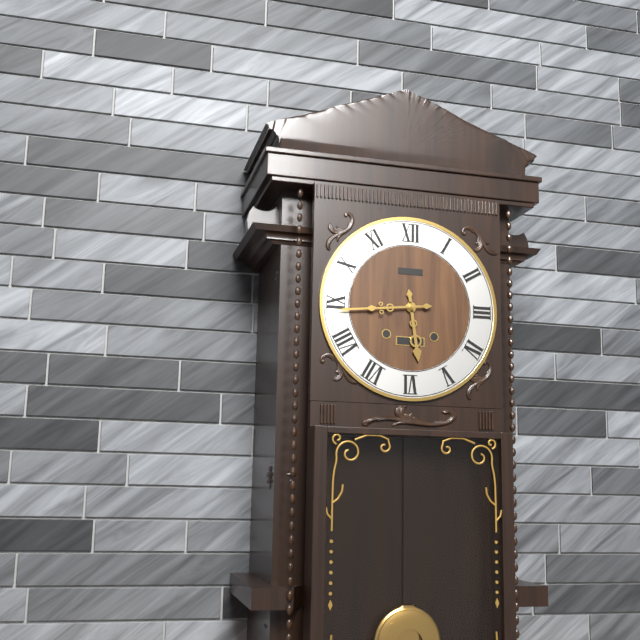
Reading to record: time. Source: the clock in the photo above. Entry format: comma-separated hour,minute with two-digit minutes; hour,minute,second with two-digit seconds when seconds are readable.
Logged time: 5,44
